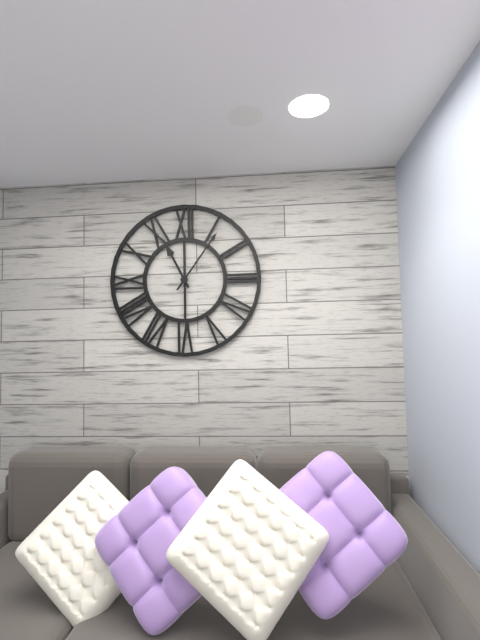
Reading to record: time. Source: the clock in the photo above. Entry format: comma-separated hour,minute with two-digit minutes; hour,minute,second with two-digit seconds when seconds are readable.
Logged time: 11,06
